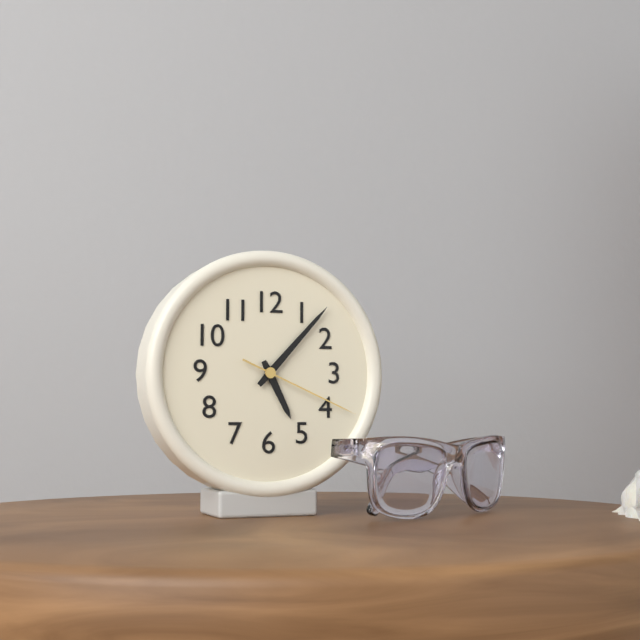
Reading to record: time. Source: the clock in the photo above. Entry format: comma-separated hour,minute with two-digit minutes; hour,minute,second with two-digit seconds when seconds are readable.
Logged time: 5,07,19
